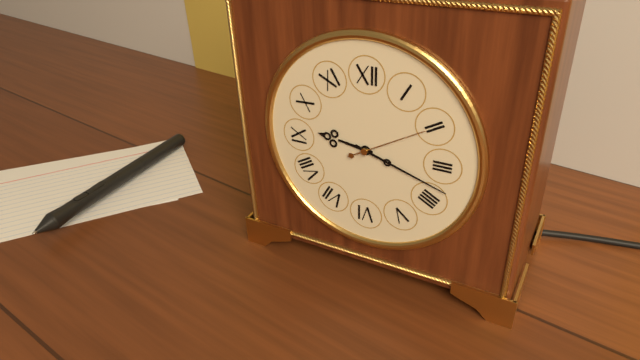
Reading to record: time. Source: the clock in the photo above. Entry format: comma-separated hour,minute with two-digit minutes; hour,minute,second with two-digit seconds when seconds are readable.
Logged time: 9,18,10
